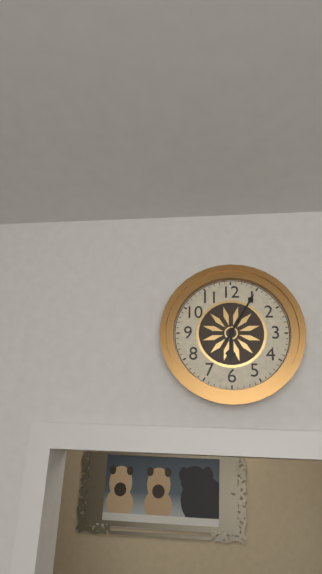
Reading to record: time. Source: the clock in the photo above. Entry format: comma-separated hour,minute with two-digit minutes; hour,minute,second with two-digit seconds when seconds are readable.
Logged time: 6,05
